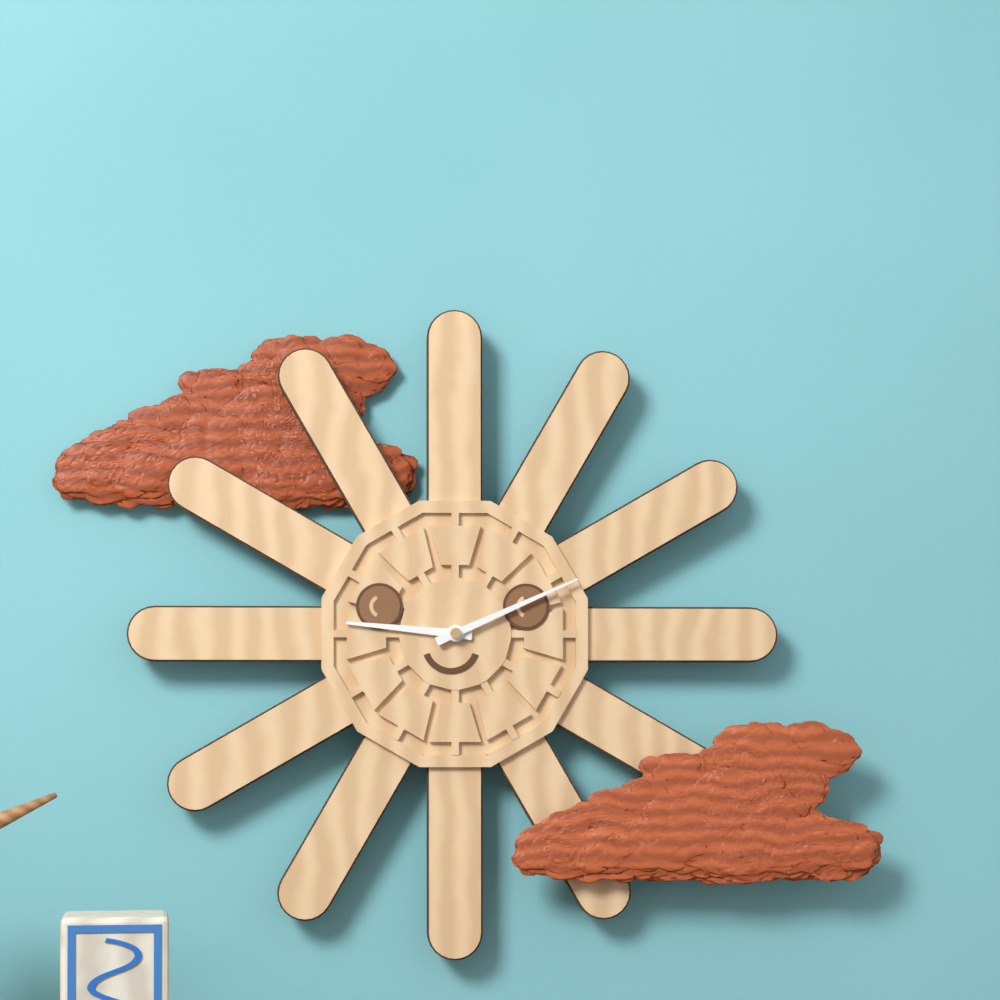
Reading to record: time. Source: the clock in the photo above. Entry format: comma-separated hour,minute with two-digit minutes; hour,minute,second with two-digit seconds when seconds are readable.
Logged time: 9,11
